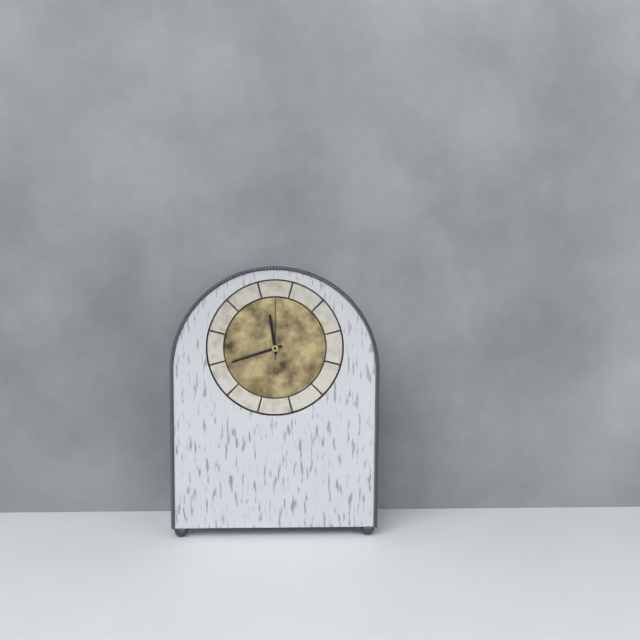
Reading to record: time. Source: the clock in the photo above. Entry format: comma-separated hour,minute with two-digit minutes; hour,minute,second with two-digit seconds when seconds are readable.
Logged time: 11,42,00
